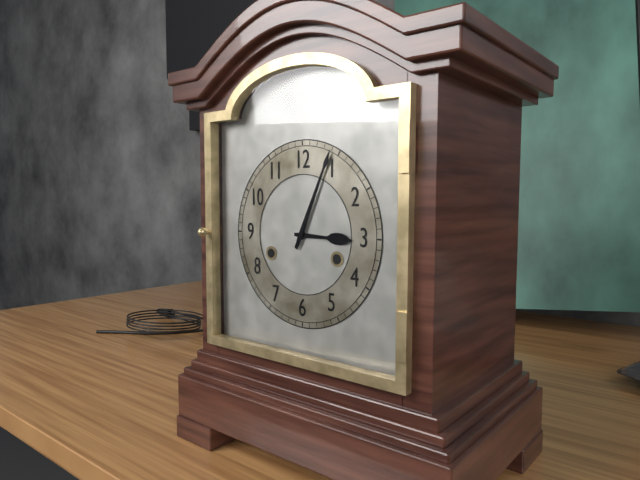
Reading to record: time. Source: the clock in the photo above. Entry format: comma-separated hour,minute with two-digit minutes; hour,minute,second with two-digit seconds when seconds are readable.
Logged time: 3,04
